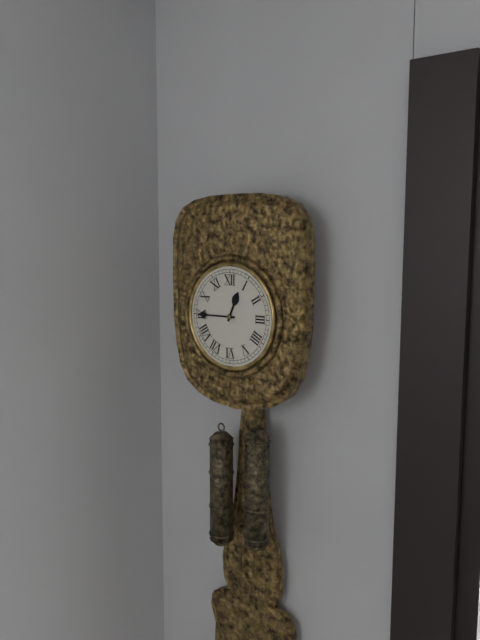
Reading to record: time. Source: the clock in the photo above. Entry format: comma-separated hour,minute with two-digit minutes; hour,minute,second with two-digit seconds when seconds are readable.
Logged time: 12,45
